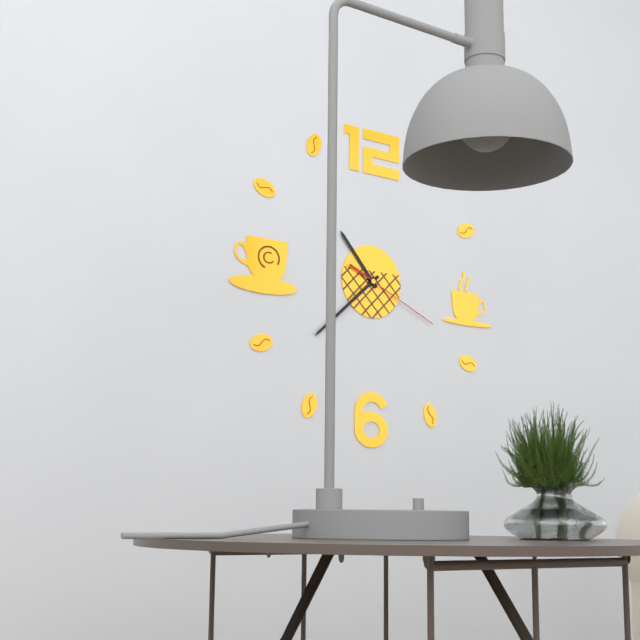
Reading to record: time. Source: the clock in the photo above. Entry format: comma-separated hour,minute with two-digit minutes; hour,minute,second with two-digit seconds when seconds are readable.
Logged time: 10,38,19
